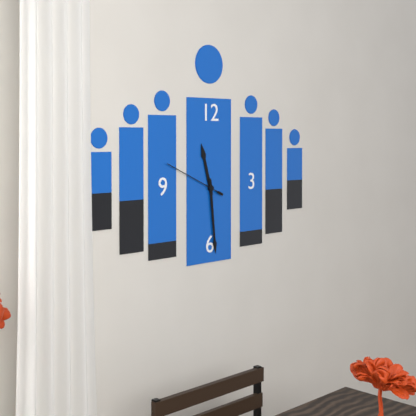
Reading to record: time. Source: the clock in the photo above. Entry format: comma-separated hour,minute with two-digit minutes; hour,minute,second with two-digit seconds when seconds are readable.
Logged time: 11,29,49
